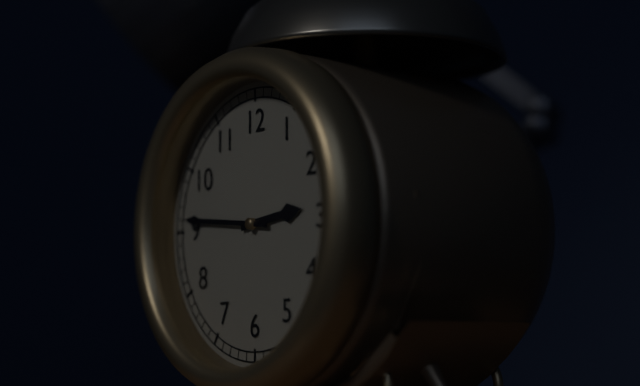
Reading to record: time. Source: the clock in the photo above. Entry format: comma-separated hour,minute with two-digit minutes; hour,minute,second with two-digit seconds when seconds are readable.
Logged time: 2,46
